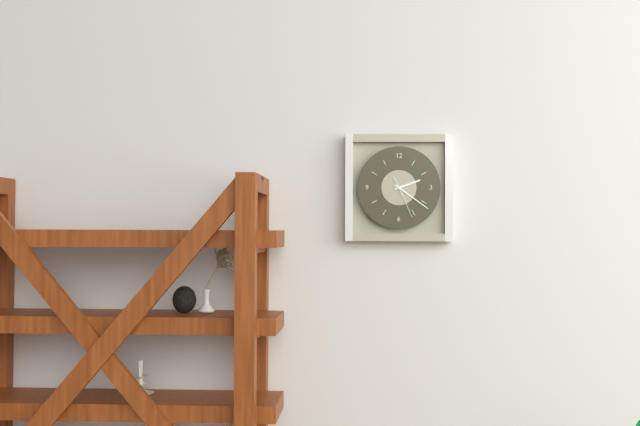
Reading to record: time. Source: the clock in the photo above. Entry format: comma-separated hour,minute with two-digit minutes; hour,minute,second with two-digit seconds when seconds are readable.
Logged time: 2,21
